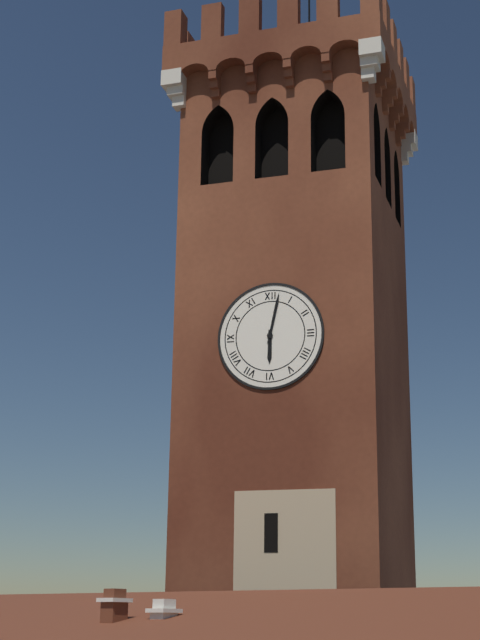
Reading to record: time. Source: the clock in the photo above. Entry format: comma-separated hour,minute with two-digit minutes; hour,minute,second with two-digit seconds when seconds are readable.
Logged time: 6,02
